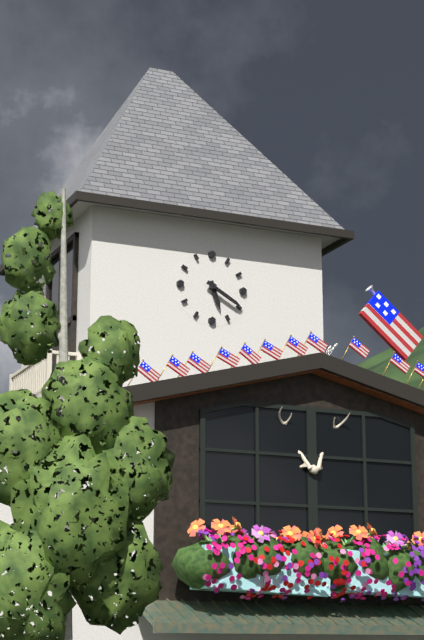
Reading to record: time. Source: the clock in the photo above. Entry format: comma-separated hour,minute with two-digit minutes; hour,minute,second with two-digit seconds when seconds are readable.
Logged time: 5,20
